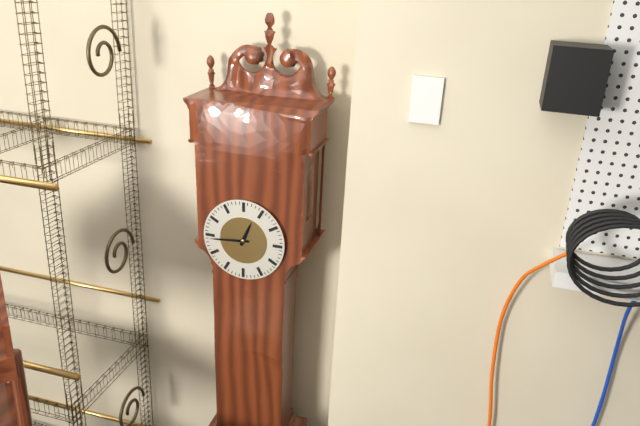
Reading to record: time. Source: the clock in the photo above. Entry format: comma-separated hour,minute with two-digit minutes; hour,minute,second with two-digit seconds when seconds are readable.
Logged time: 12,44
